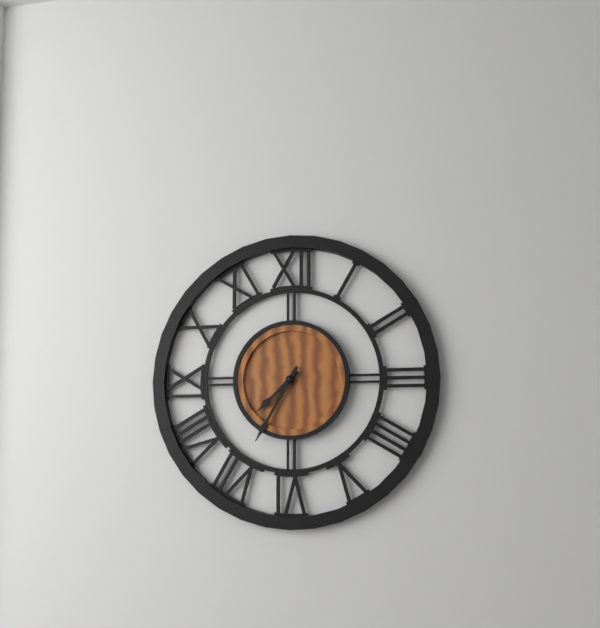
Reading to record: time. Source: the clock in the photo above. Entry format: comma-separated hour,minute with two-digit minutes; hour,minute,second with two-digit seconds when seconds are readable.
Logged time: 7,35
